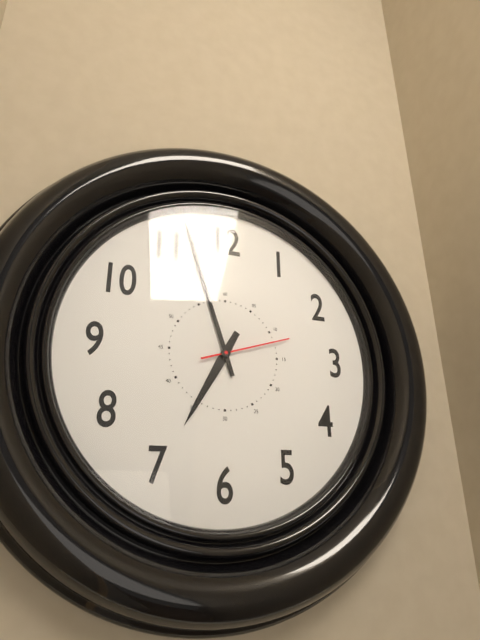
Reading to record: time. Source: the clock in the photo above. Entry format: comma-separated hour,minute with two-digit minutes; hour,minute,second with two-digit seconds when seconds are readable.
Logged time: 6,57,12
